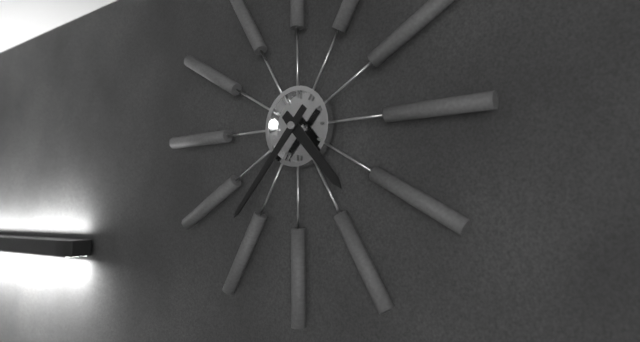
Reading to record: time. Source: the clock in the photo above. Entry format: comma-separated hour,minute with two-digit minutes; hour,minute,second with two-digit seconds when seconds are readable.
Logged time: 4,37
